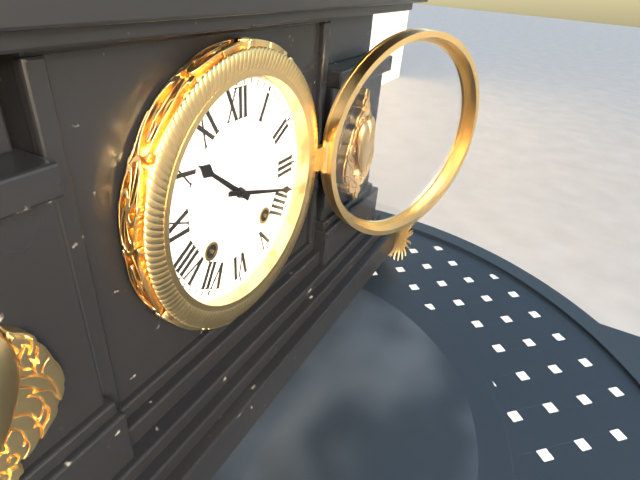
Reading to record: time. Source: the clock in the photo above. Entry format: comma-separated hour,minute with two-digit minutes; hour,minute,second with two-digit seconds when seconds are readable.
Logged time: 10,18
